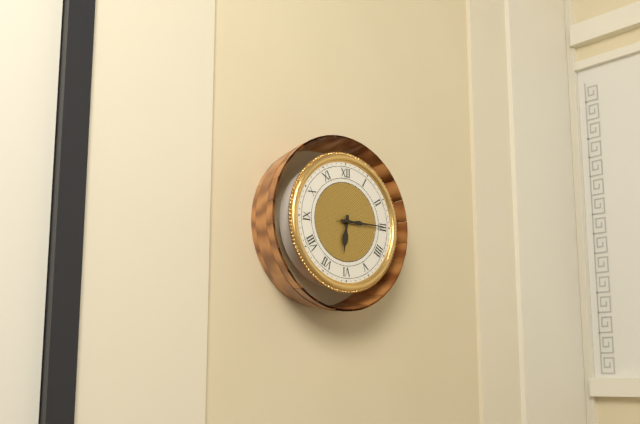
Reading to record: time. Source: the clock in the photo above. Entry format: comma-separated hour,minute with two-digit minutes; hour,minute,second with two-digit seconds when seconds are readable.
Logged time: 6,15
